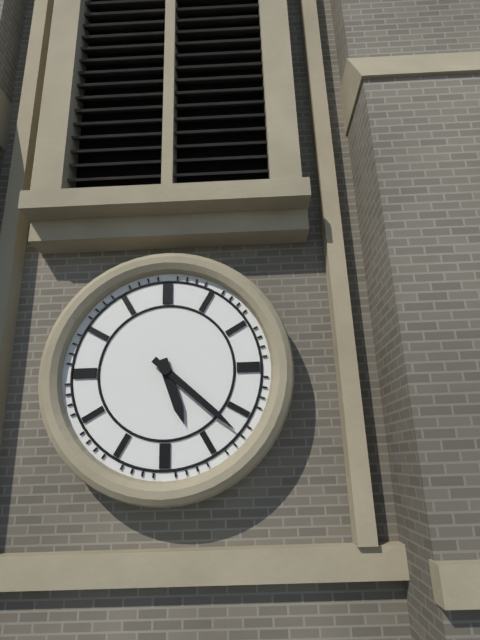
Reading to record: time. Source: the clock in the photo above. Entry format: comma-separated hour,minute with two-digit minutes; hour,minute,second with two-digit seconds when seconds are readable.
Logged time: 5,22
